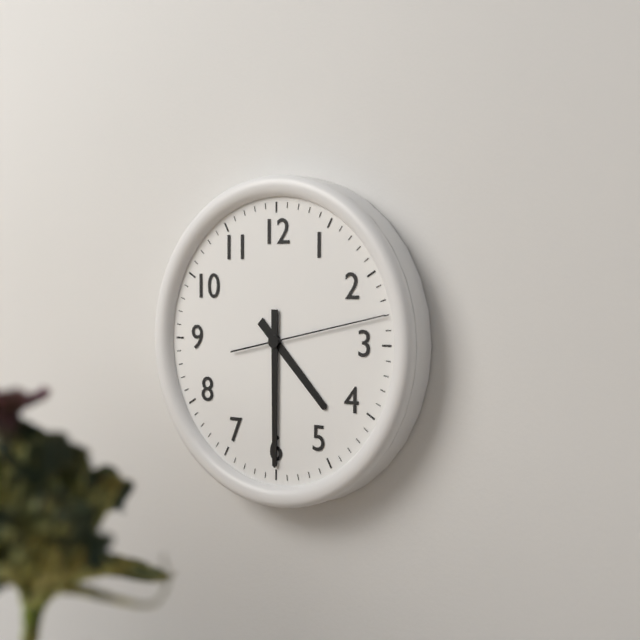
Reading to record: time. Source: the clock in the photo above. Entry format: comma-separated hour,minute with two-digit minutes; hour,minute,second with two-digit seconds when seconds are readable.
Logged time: 4,30,13
